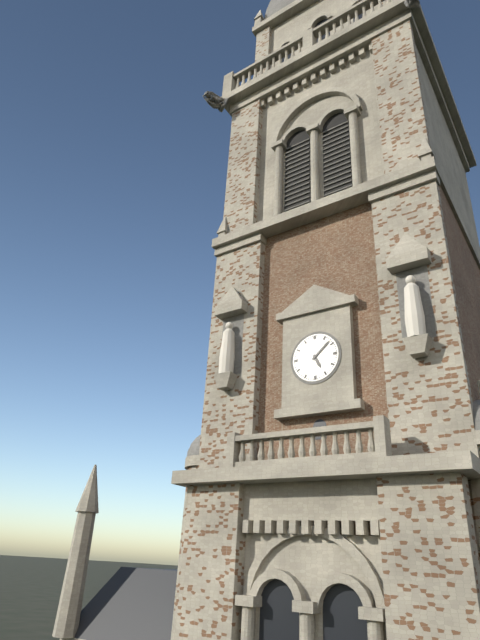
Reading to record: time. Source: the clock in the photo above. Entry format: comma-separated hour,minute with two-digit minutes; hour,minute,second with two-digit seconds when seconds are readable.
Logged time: 5,08
